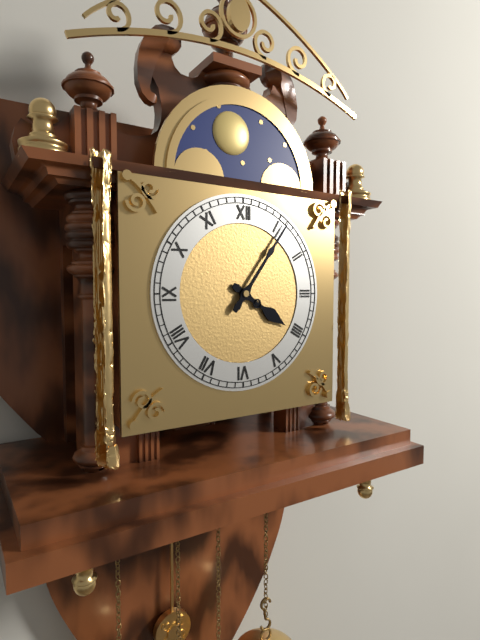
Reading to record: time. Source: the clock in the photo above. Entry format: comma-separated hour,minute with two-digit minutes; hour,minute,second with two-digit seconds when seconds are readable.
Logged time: 4,06
